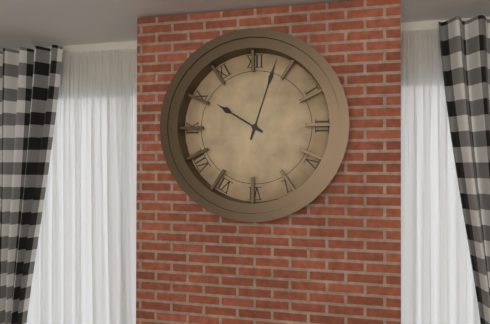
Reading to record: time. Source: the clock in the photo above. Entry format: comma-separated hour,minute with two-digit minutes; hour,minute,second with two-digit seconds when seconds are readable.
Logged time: 10,03
